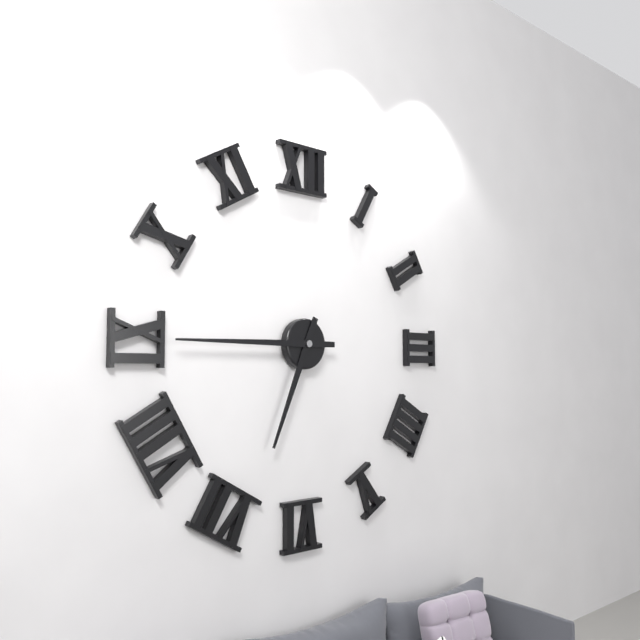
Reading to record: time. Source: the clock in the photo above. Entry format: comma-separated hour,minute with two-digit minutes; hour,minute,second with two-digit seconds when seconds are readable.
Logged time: 6,45
